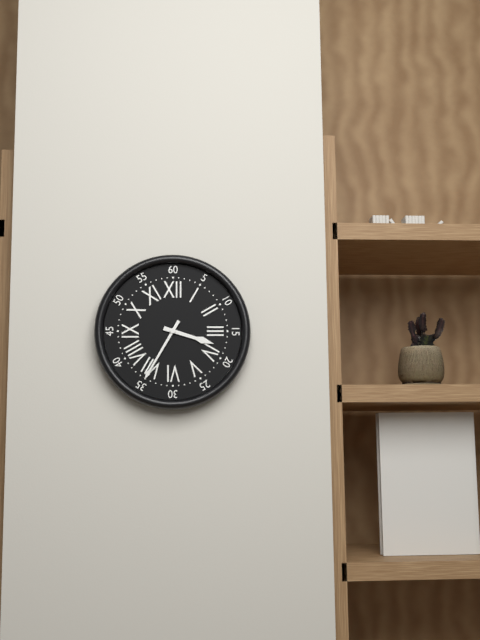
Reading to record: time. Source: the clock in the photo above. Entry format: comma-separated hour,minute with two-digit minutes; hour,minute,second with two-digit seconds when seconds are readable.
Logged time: 3,35
